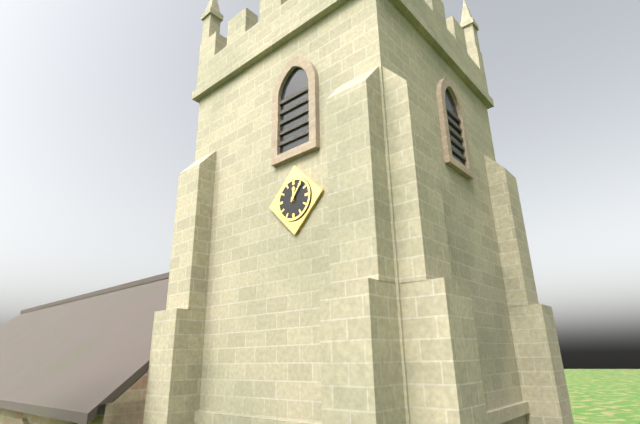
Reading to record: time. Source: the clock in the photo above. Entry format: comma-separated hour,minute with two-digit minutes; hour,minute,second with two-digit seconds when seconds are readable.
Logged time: 12,06
